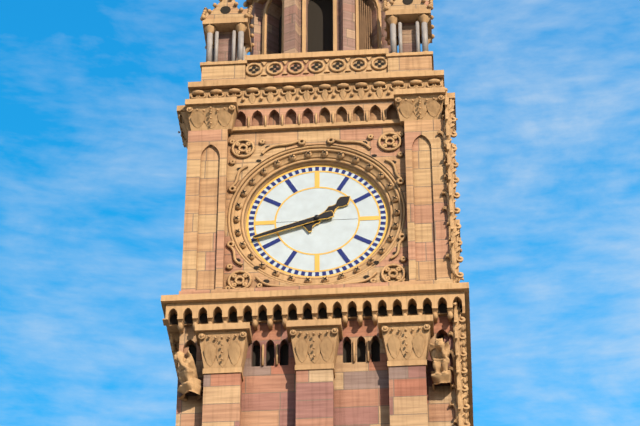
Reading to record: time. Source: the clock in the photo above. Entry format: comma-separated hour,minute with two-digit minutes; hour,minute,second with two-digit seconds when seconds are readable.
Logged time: 1,42
